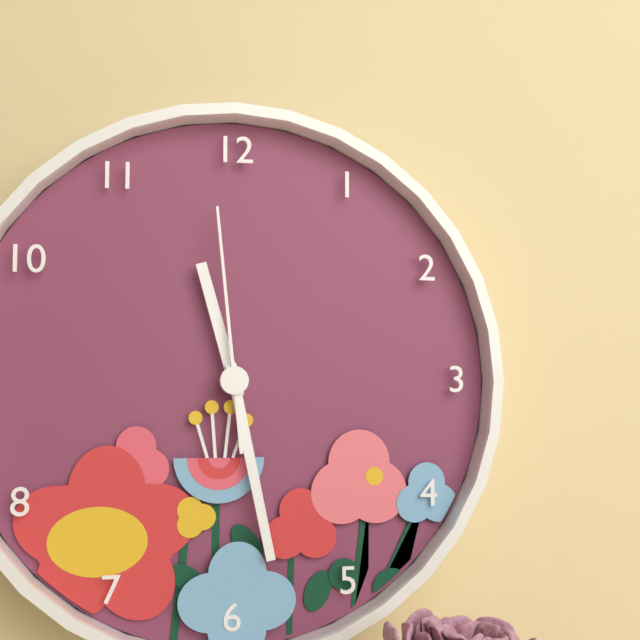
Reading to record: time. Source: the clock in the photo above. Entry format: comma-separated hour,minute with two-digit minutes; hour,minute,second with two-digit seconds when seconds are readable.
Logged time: 11,28,59
